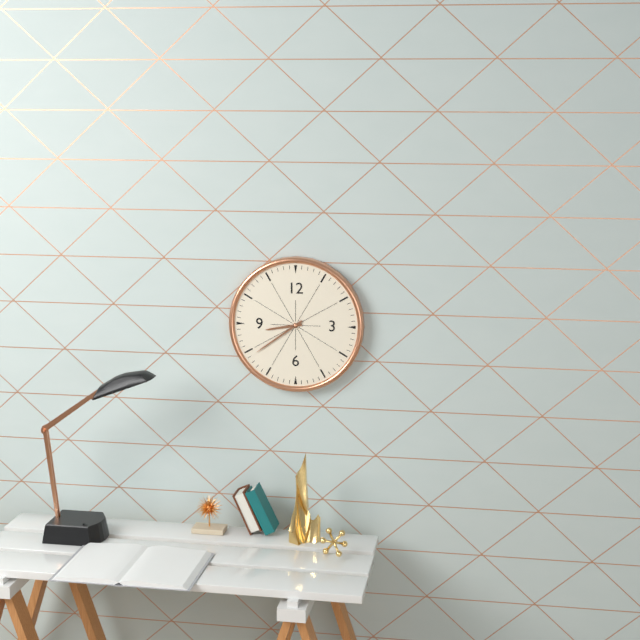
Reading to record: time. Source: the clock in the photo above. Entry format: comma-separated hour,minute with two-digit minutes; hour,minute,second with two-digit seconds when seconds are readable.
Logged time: 8,39
